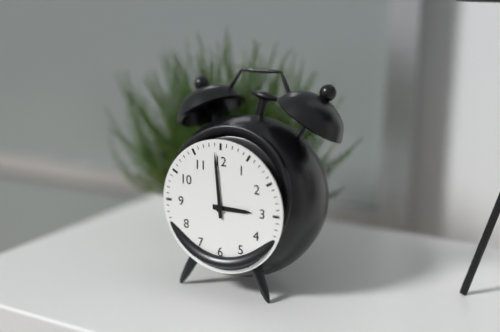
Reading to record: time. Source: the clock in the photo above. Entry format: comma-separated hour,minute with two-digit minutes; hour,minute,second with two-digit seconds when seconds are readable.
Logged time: 2,59
